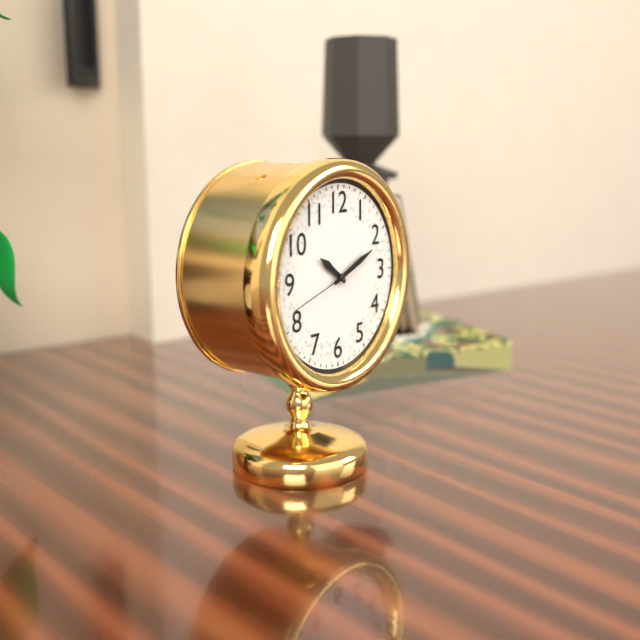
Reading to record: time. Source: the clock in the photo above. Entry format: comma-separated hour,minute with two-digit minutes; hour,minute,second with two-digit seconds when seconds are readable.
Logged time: 10,11,42
